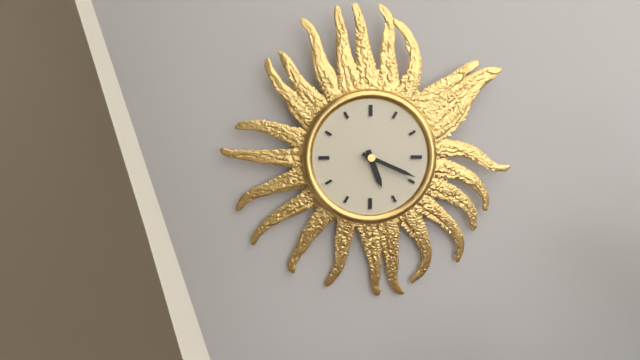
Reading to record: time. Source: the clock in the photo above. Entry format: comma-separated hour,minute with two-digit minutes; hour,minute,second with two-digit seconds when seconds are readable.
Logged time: 5,19
